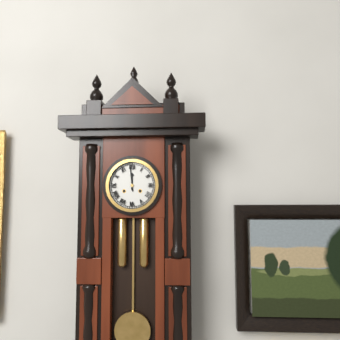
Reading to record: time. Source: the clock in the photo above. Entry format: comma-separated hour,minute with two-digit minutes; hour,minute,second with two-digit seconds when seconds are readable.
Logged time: 11,59
